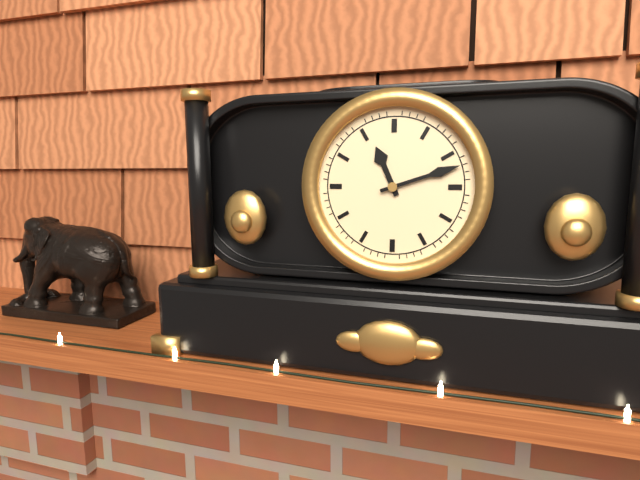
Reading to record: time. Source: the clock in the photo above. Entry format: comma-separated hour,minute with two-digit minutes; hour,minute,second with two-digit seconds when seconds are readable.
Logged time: 11,12
